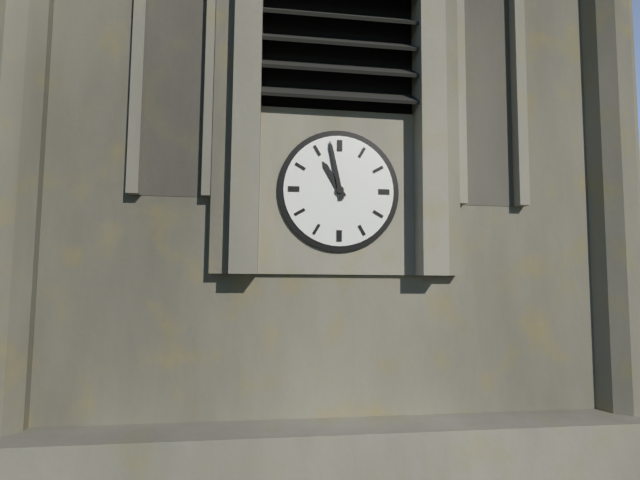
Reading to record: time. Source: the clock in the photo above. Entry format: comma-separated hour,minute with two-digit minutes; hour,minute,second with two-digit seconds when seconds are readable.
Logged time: 10,58
